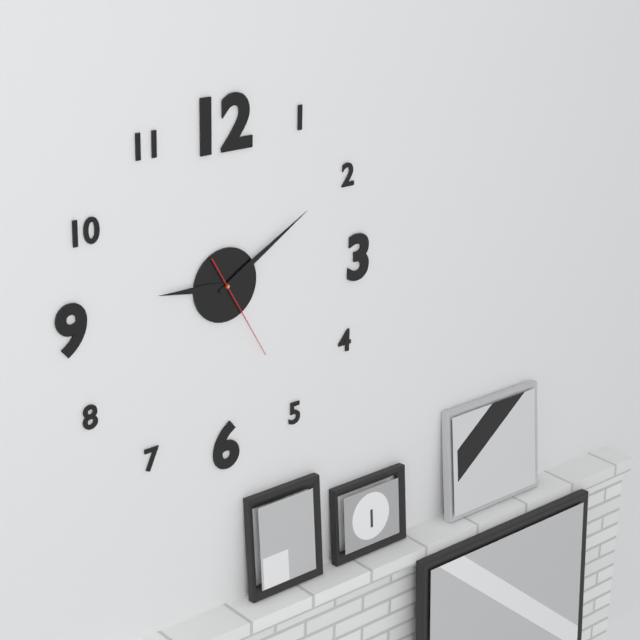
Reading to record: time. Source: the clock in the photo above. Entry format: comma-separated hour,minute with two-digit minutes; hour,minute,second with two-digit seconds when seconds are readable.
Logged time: 9,10,25
